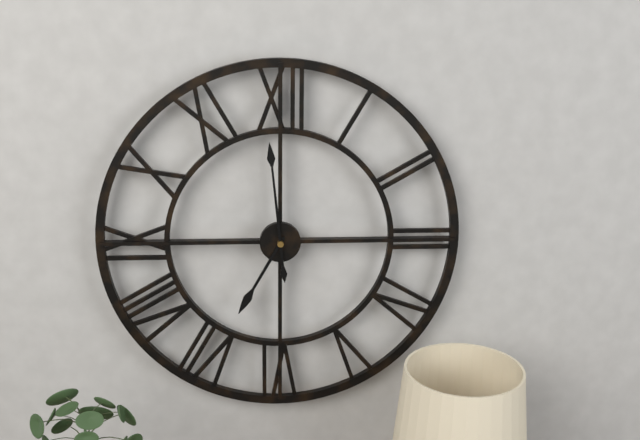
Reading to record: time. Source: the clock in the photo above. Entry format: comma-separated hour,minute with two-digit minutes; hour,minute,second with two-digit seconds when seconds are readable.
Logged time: 6,59
